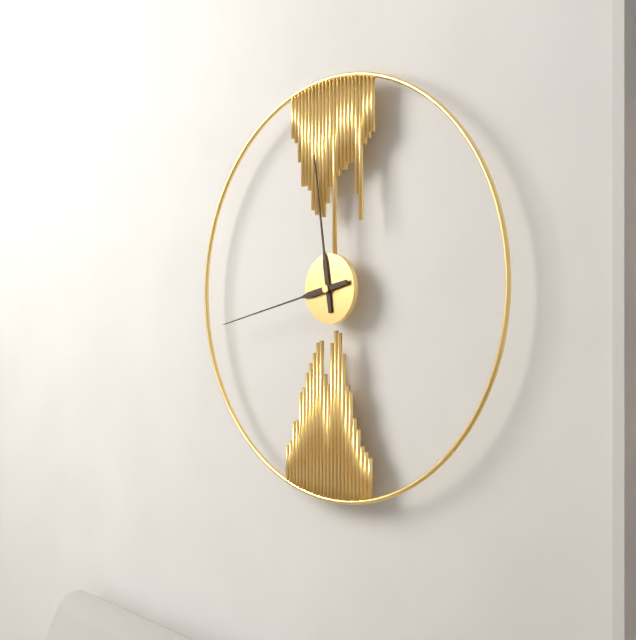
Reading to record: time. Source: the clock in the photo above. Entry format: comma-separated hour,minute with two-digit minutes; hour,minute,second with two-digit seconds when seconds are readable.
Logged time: 11,43
